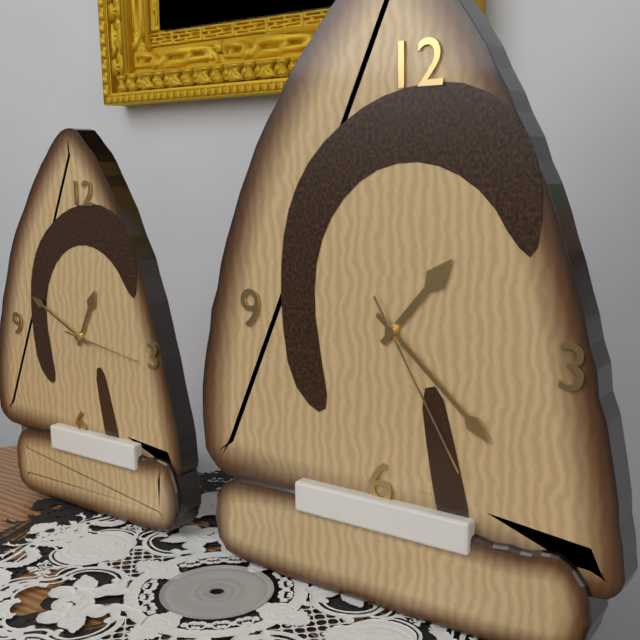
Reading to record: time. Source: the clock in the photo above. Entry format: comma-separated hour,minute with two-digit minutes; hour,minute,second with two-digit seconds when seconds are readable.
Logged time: 1,22,25
